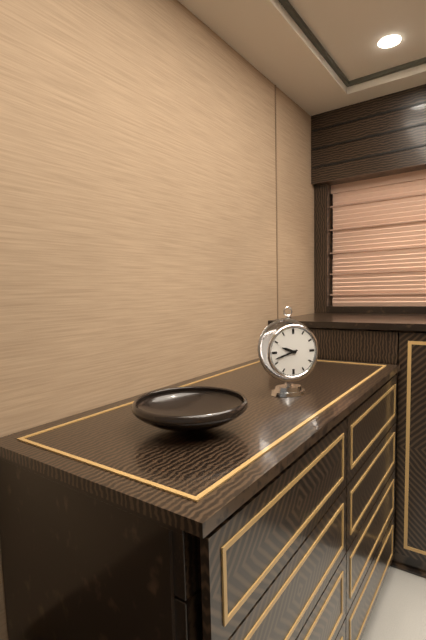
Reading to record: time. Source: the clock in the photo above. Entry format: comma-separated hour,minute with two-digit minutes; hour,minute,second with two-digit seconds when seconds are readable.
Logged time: 9,42
